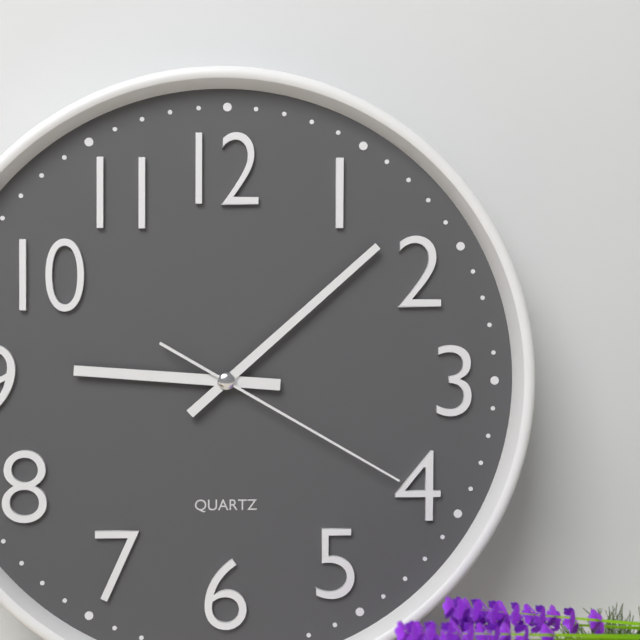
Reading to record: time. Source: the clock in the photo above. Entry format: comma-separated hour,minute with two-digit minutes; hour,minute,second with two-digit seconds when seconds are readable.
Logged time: 9,08,20
